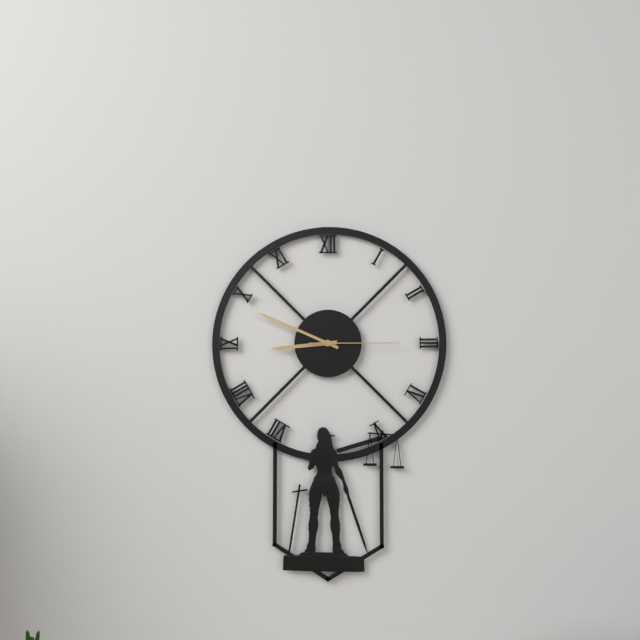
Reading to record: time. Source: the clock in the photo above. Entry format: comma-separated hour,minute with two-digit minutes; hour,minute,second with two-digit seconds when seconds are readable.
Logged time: 8,49,15
